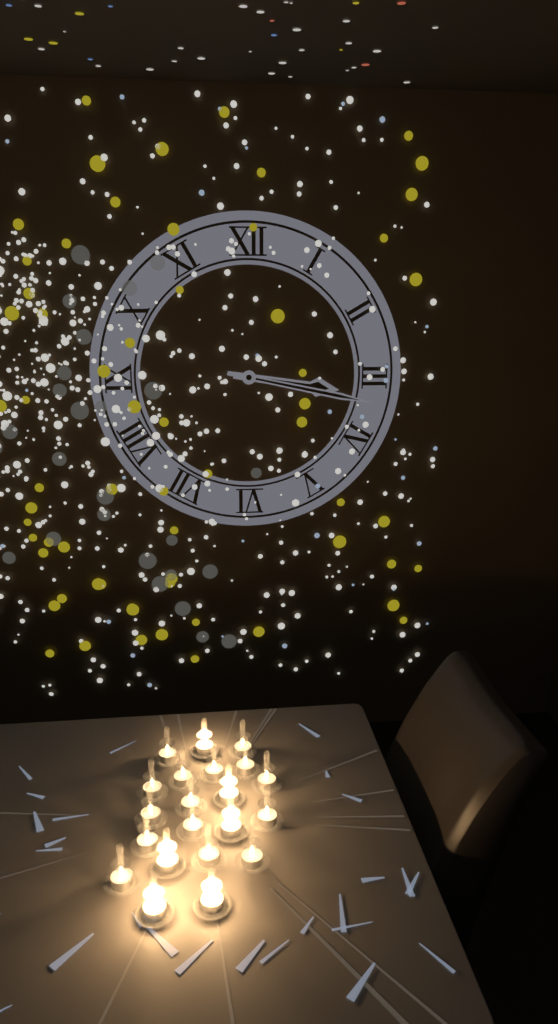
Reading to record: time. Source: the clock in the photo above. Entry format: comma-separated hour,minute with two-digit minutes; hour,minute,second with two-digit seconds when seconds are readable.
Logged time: 3,17
